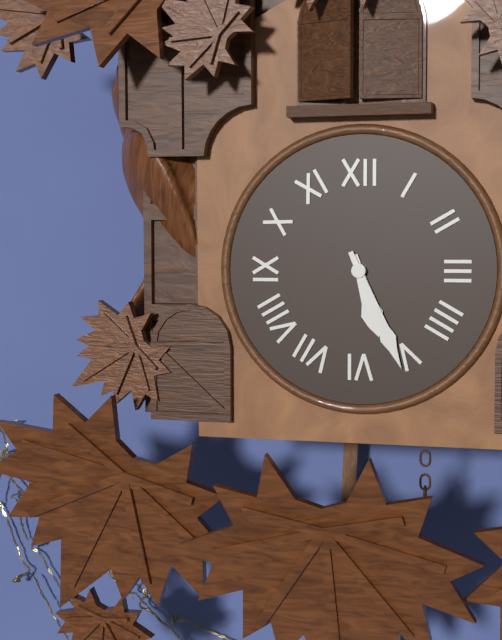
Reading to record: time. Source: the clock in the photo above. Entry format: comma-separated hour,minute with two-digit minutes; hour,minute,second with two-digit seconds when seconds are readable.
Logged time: 5,26
